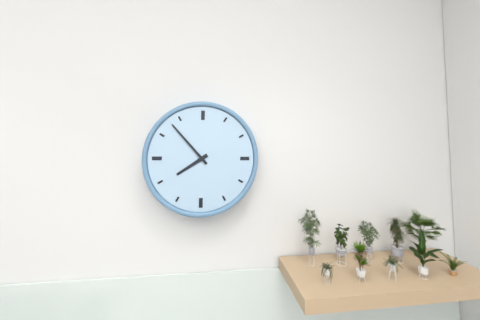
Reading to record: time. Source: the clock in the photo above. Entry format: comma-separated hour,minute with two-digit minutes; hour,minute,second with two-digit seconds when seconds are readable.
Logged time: 7,53
